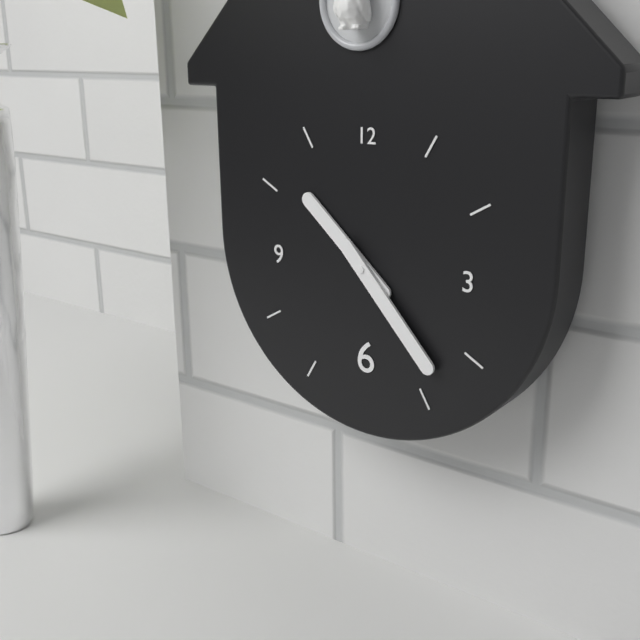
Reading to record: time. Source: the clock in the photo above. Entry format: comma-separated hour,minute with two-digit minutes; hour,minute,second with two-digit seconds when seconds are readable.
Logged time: 10,23
